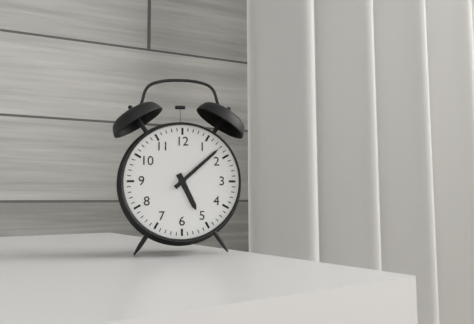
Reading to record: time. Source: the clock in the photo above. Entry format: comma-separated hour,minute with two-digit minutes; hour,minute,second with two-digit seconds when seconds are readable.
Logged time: 5,08
